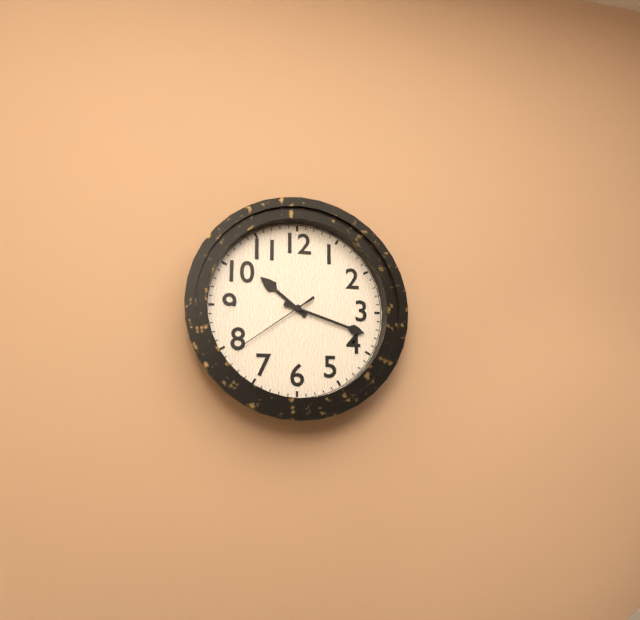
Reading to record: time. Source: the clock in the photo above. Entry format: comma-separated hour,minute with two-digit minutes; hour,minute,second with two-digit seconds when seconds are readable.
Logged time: 10,18,39
